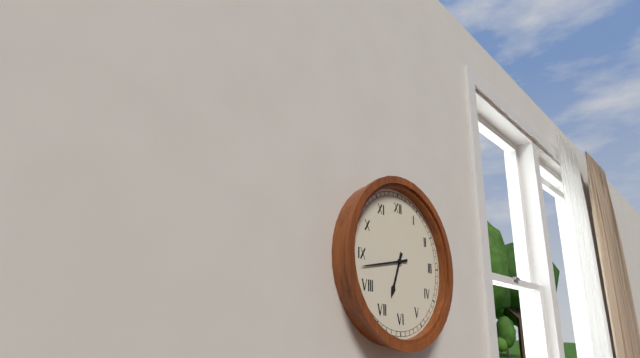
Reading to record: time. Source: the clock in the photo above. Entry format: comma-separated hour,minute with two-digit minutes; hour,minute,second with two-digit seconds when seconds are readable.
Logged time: 6,43
